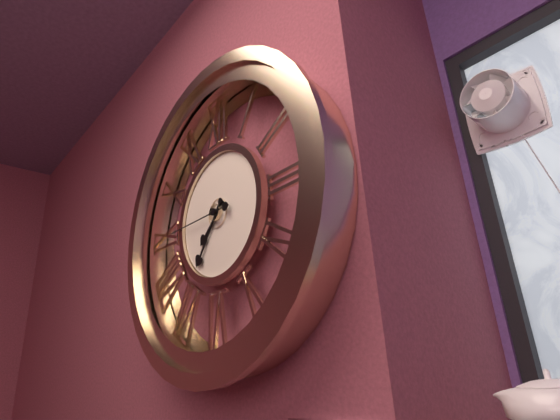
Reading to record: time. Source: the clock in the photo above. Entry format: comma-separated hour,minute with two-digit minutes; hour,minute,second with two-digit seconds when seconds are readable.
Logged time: 7,36,45
